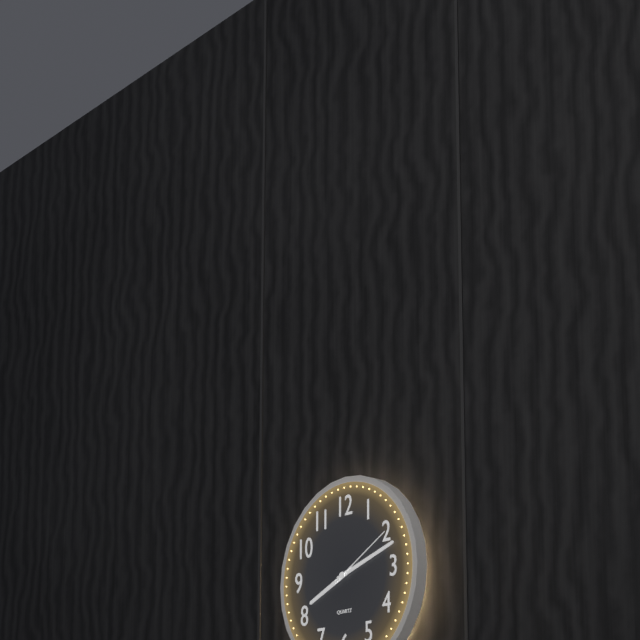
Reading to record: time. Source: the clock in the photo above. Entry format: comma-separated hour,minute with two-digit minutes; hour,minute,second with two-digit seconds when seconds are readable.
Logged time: 8,12,10
